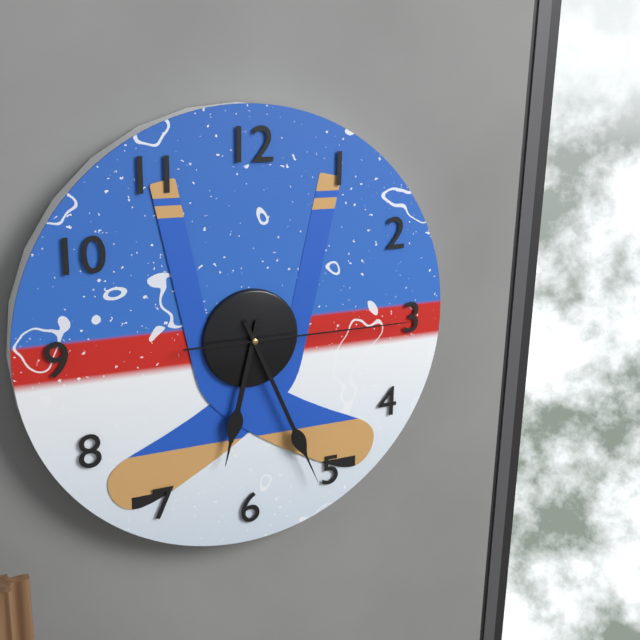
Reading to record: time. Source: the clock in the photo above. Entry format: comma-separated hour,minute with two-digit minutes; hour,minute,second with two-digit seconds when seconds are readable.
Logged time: 6,26,15
